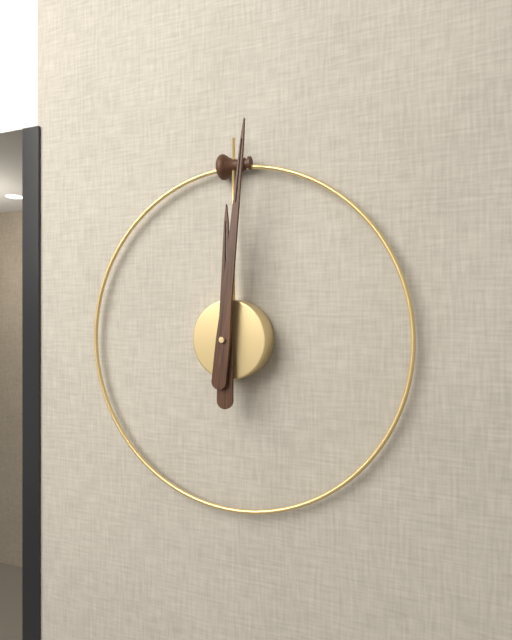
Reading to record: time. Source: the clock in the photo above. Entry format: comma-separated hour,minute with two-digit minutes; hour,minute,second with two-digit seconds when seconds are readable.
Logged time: 12,01
